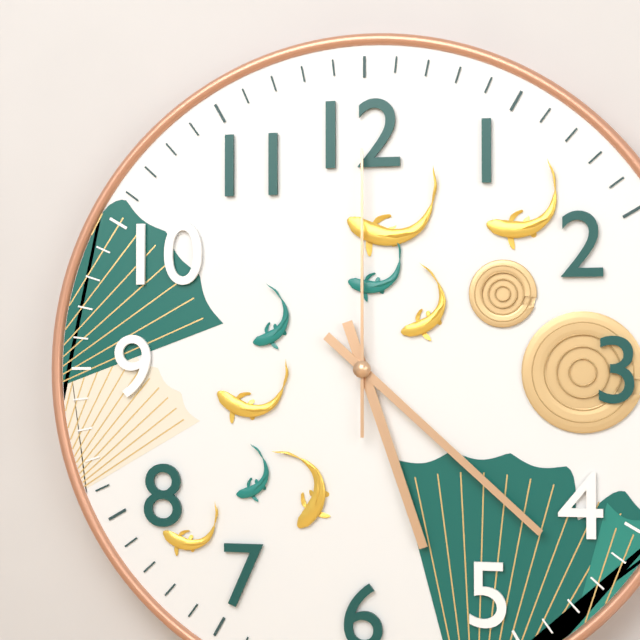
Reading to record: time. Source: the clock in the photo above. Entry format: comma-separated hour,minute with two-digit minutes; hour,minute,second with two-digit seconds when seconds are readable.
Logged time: 5,22,00
